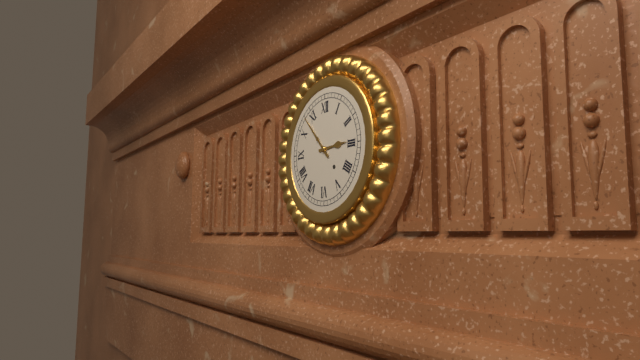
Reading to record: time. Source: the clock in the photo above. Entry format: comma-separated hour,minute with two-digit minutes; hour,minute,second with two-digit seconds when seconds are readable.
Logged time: 2,53
